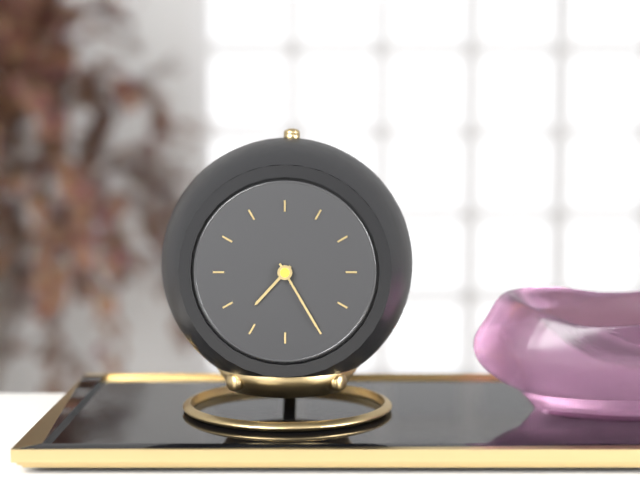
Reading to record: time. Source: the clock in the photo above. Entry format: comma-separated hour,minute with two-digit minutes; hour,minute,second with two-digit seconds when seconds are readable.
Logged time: 7,25
